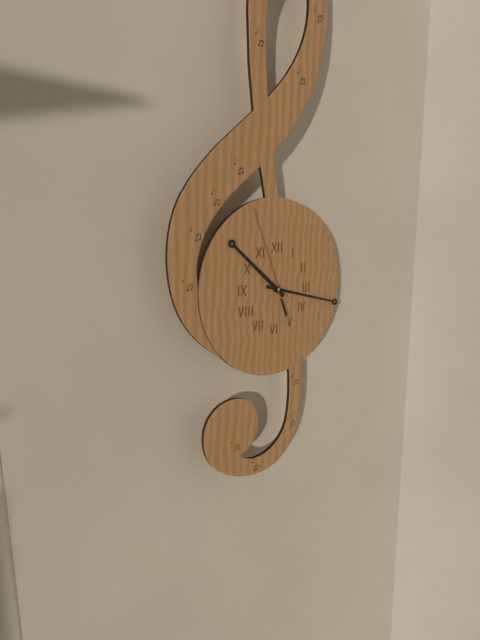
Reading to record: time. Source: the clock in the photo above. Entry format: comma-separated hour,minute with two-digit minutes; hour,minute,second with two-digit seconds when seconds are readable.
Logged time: 10,17,56
